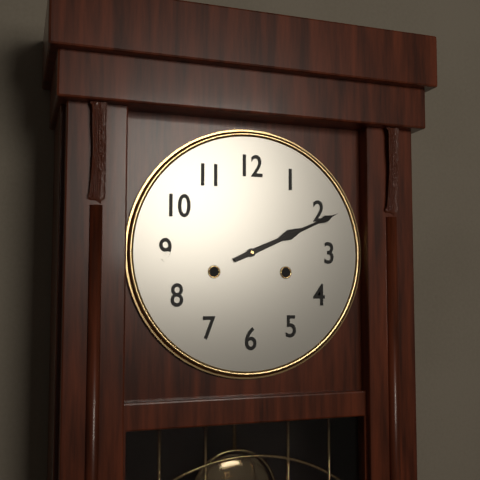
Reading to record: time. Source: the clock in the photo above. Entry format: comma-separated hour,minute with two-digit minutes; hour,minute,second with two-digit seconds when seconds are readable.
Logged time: 2,11
